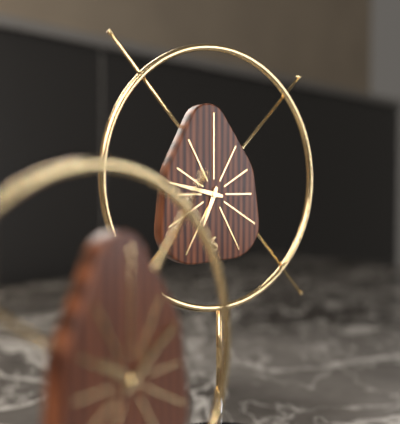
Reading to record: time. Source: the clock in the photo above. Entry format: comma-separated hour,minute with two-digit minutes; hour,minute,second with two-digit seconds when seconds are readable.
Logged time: 6,47
